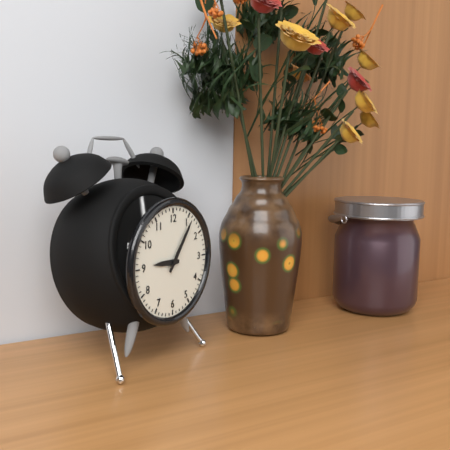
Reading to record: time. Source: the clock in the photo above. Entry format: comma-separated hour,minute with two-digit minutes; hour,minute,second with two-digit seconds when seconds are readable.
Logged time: 9,06
